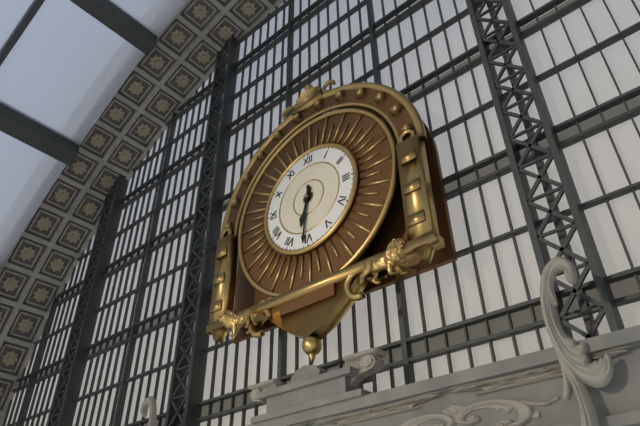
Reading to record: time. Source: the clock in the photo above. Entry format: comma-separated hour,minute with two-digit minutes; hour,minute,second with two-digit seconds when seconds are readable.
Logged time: 6,31
